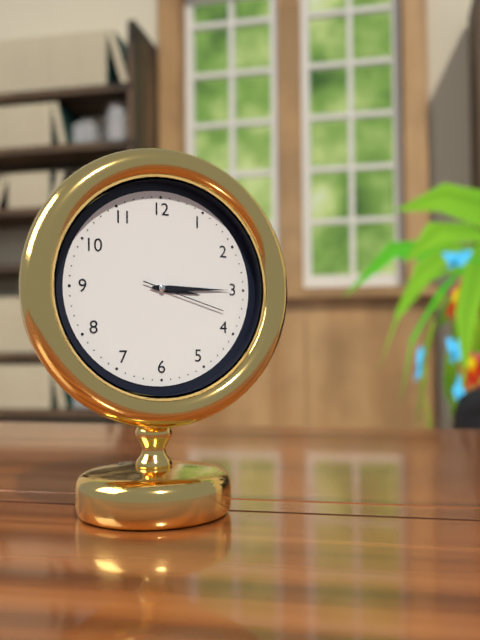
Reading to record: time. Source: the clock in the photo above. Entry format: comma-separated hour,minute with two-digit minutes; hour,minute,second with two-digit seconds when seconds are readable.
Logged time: 3,15,18
